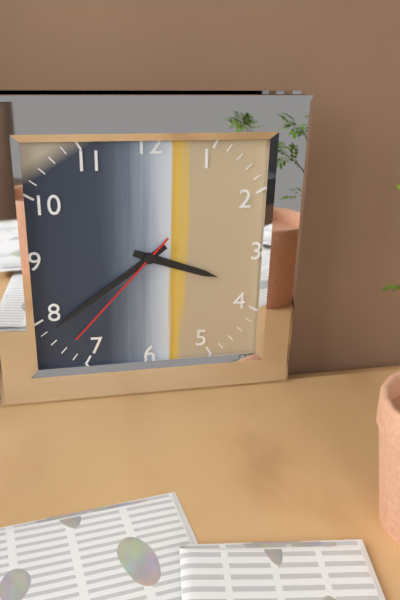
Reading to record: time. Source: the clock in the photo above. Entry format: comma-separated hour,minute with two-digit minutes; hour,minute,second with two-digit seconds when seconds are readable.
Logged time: 3,39,37
